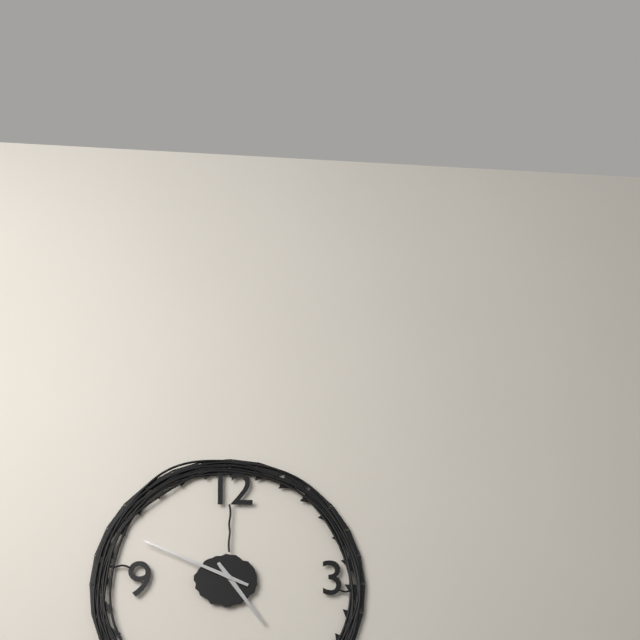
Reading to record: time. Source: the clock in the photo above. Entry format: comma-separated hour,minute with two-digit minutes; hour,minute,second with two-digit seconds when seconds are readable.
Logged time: 4,49
